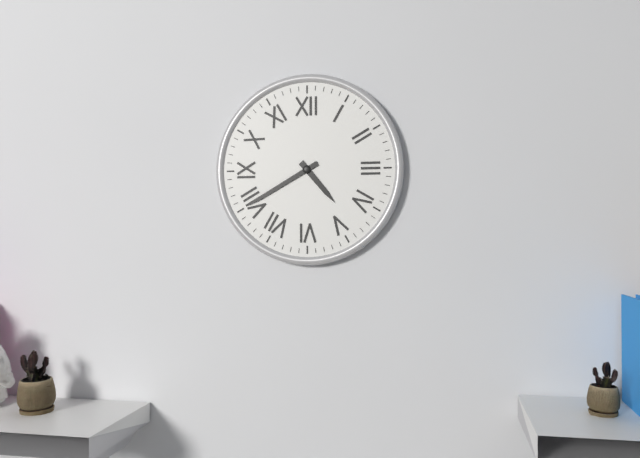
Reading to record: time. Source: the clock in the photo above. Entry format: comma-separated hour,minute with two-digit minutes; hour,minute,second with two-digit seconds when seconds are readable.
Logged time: 4,40
